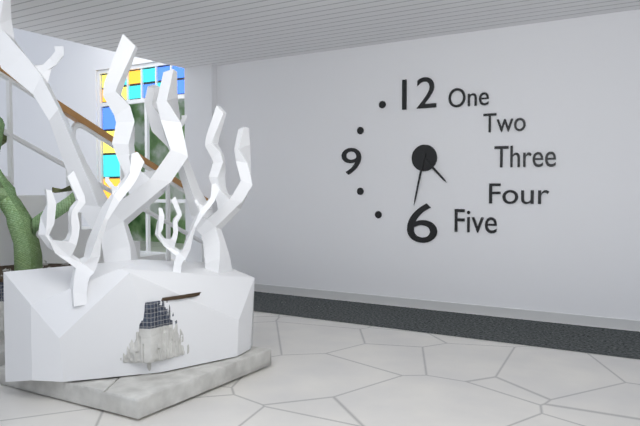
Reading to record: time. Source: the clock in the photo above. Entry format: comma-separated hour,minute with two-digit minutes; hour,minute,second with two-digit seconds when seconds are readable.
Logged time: 4,32
